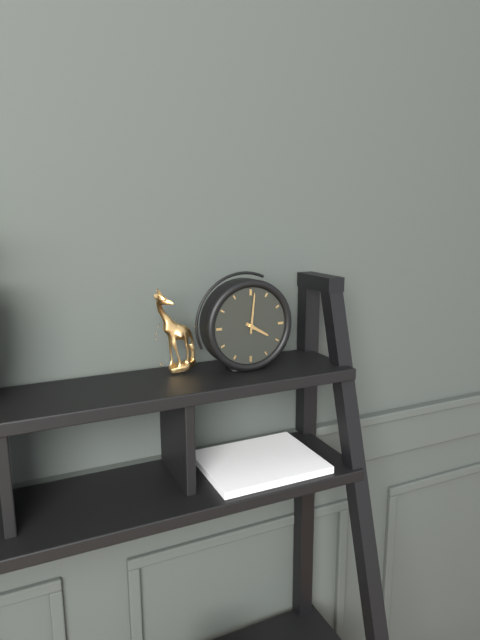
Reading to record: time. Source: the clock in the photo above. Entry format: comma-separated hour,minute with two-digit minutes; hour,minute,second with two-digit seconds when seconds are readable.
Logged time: 4,01
